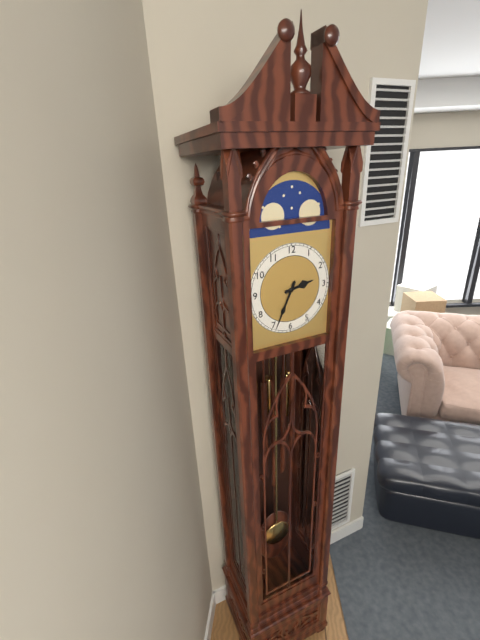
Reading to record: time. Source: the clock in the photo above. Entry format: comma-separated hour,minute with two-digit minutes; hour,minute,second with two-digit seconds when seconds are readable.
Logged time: 2,34
